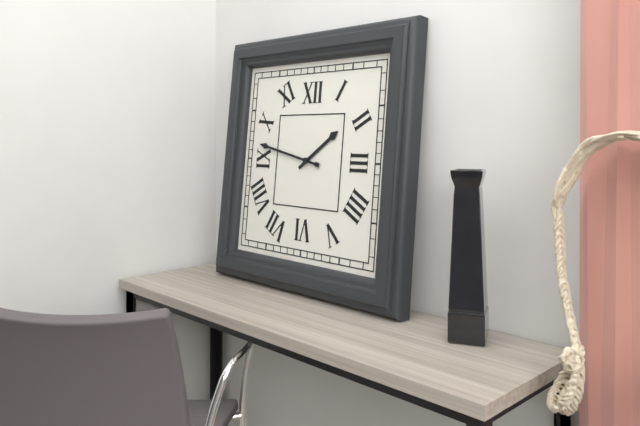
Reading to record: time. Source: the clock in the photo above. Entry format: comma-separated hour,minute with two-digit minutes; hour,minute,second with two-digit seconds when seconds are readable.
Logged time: 1,47
